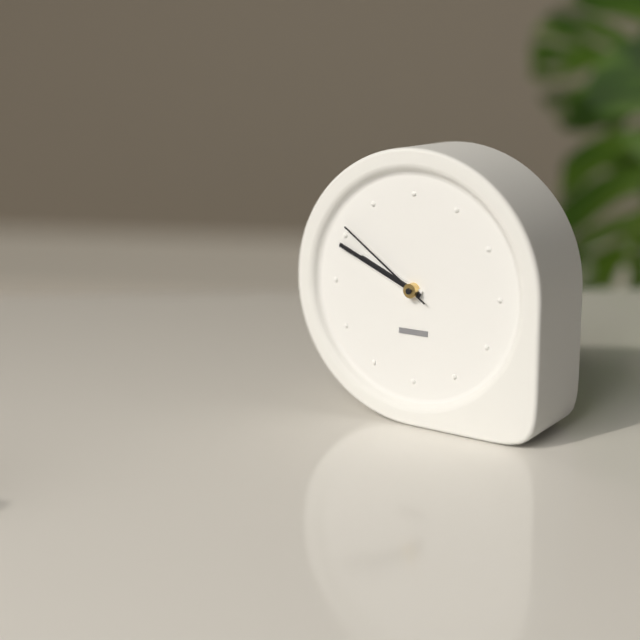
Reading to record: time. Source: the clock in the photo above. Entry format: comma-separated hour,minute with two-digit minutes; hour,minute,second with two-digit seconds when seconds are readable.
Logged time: 9,49,51
